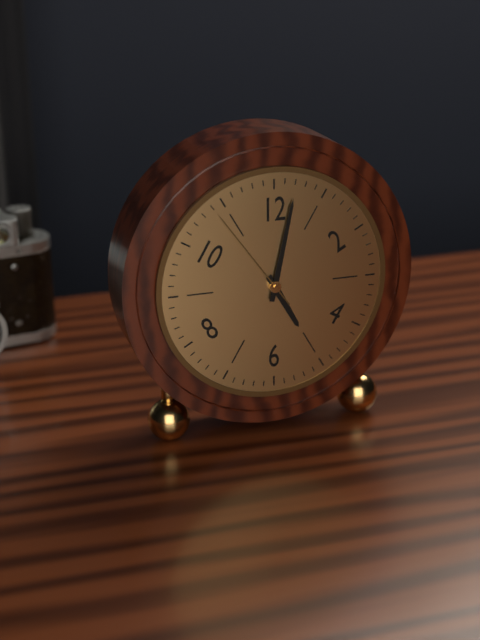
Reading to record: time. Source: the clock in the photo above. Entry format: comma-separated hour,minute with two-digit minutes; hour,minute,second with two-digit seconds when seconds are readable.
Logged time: 5,02,54
